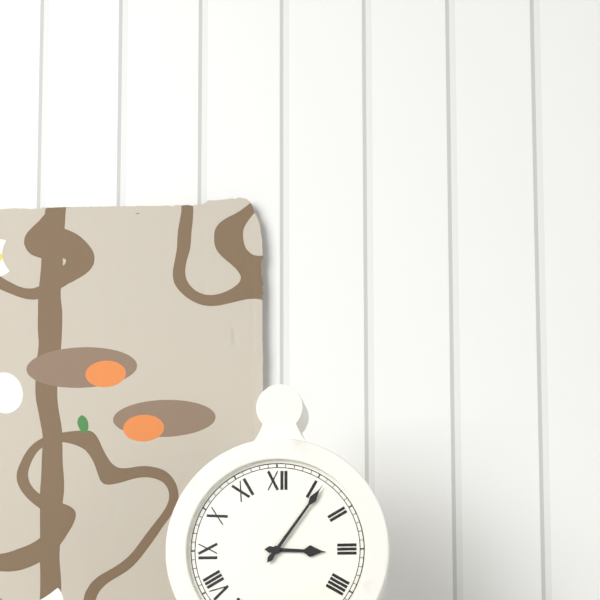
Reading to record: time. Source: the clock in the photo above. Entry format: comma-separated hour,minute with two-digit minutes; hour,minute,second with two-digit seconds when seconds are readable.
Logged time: 3,06
